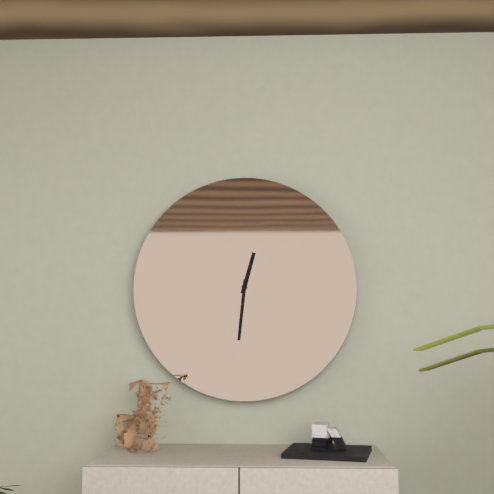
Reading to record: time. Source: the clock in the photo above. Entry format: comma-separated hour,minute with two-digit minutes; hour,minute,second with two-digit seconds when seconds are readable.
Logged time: 12,31
